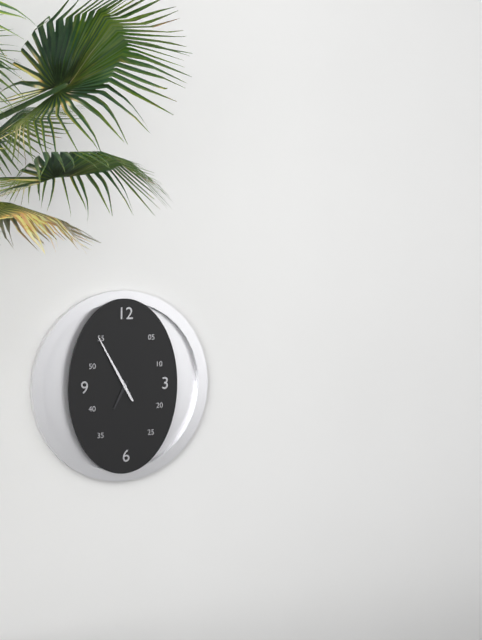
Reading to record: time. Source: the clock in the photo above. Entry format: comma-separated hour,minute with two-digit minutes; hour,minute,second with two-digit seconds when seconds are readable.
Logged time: 6,55
